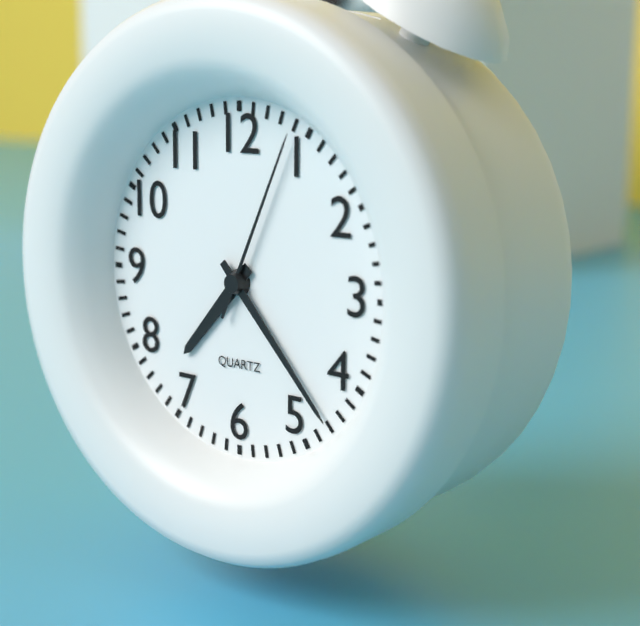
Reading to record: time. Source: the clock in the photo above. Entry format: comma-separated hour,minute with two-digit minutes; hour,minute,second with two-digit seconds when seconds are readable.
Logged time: 7,23,04
